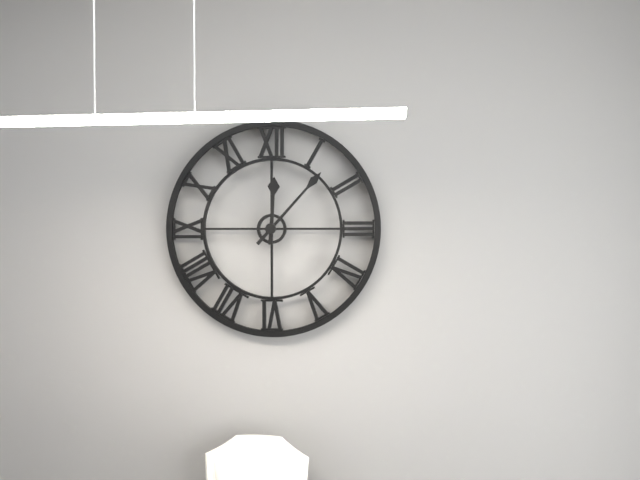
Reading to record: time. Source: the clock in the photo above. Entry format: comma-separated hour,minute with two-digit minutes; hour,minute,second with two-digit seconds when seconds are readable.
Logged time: 12,07
